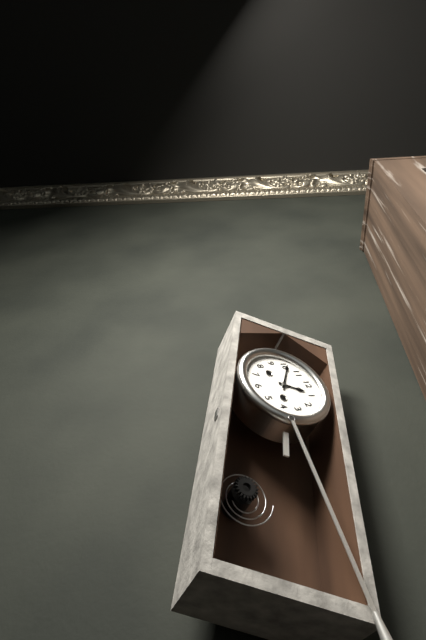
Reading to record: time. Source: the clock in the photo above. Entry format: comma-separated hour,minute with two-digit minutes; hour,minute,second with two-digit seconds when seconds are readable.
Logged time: 12,51
